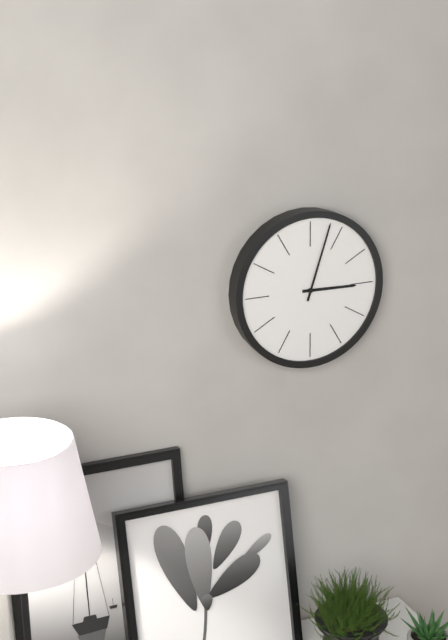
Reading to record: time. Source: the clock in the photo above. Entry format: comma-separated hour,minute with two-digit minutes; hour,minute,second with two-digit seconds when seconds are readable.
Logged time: 3,03
